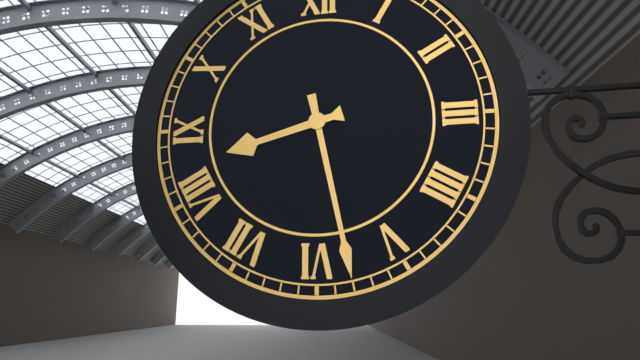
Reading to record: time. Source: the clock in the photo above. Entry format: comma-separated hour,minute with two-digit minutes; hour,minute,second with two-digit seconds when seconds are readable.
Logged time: 8,28
